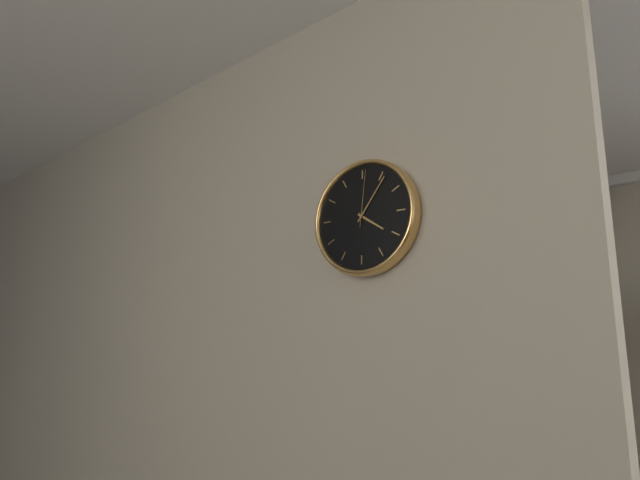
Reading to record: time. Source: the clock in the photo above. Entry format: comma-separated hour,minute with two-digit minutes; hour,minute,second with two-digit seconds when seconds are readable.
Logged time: 4,06,01
